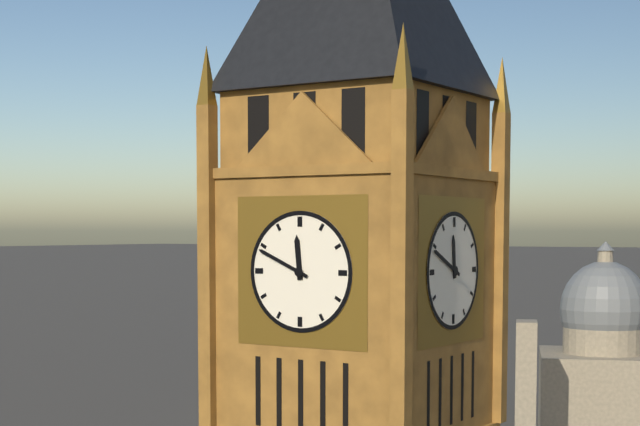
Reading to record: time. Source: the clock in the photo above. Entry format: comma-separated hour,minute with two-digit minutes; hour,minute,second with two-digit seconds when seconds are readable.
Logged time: 11,49
